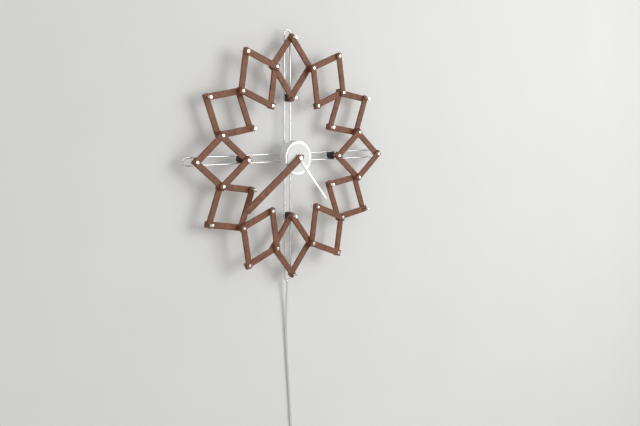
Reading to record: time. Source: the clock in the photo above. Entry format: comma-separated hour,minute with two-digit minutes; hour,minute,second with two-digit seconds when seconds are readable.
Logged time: 4,39
